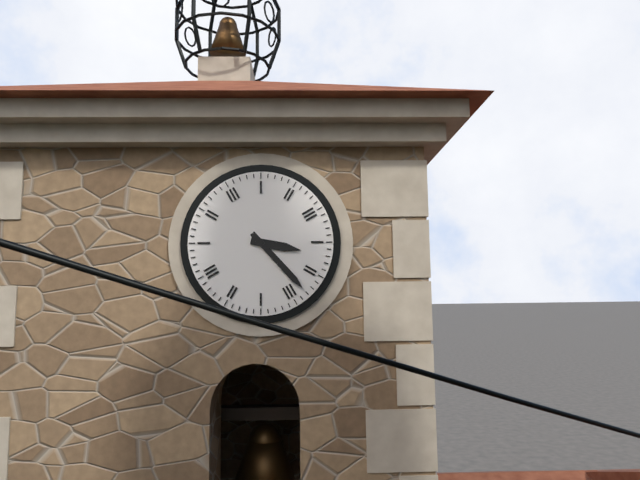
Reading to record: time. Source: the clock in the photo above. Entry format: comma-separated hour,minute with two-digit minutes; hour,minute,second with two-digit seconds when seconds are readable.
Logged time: 3,23
